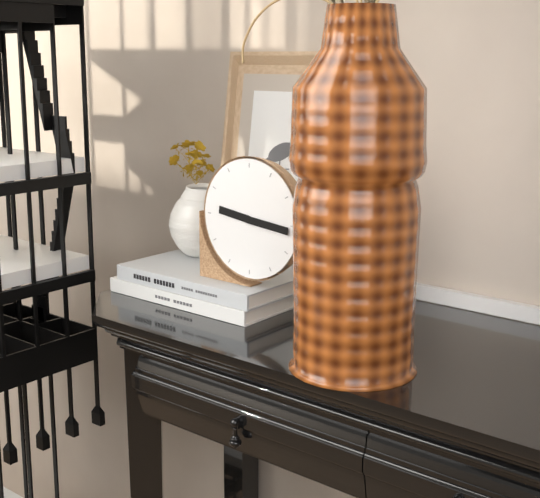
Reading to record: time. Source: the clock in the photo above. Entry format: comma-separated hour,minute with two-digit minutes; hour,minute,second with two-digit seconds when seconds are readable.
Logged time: 9,16
